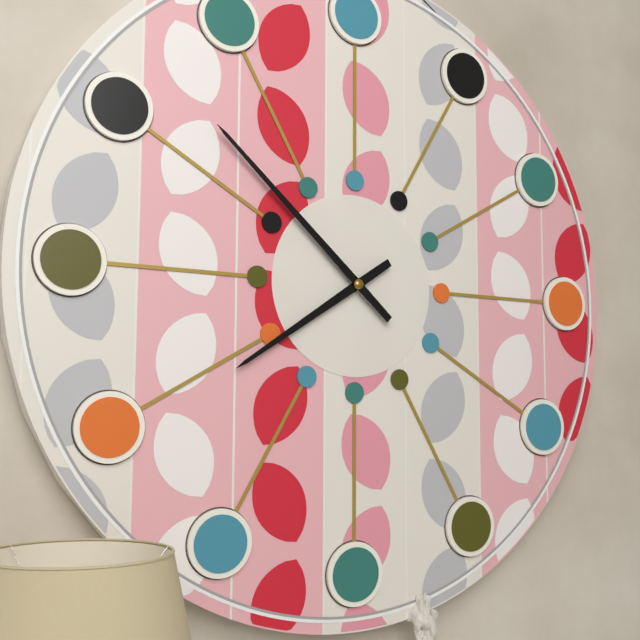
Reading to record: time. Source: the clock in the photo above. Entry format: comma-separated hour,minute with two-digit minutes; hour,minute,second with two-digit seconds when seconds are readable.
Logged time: 7,52
